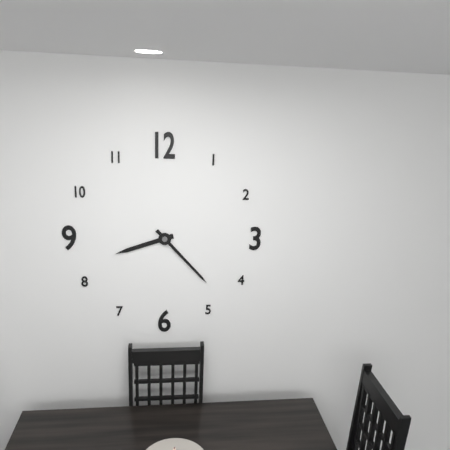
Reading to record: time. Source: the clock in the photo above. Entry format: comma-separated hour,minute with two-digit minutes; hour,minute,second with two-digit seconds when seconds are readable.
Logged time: 8,23
